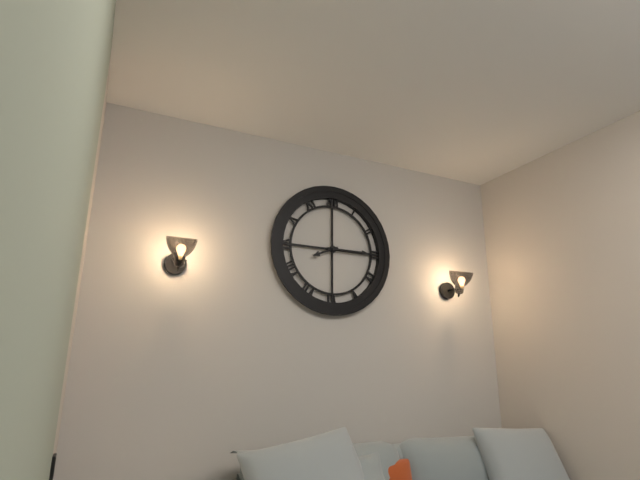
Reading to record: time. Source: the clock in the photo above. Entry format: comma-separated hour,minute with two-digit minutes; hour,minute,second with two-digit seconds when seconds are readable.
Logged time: 8,15
